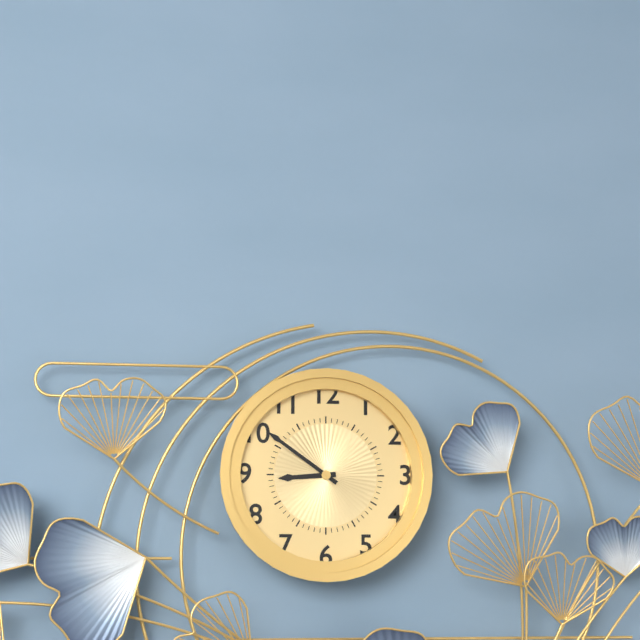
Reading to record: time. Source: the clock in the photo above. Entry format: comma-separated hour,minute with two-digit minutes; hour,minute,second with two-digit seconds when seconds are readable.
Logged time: 8,51
